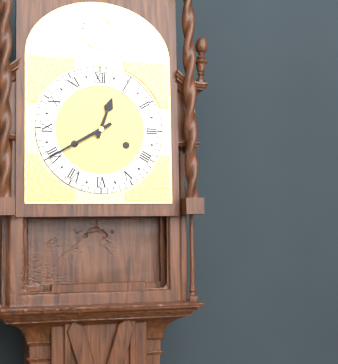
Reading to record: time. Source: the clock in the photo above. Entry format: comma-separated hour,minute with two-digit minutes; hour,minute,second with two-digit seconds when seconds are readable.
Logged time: 12,40
